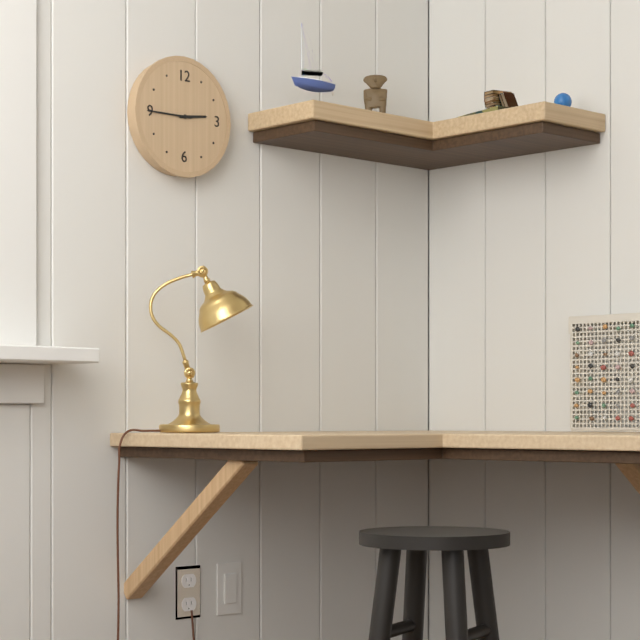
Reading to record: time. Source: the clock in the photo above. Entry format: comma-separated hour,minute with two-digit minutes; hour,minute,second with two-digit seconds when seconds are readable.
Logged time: 2,45
